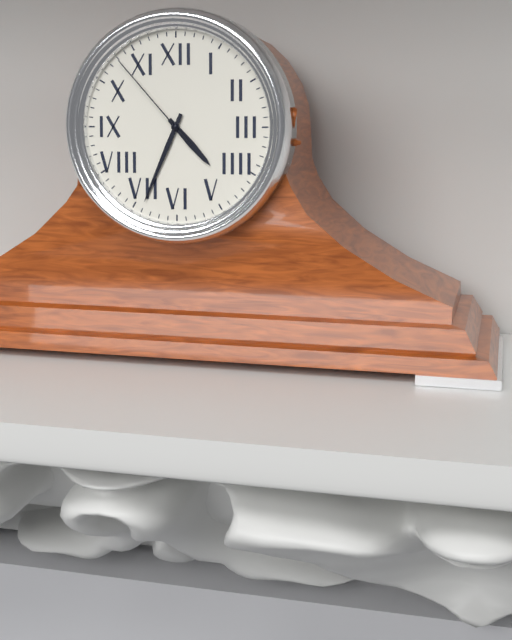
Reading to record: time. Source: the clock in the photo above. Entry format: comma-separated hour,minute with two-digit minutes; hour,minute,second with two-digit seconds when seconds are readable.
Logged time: 4,34,53
